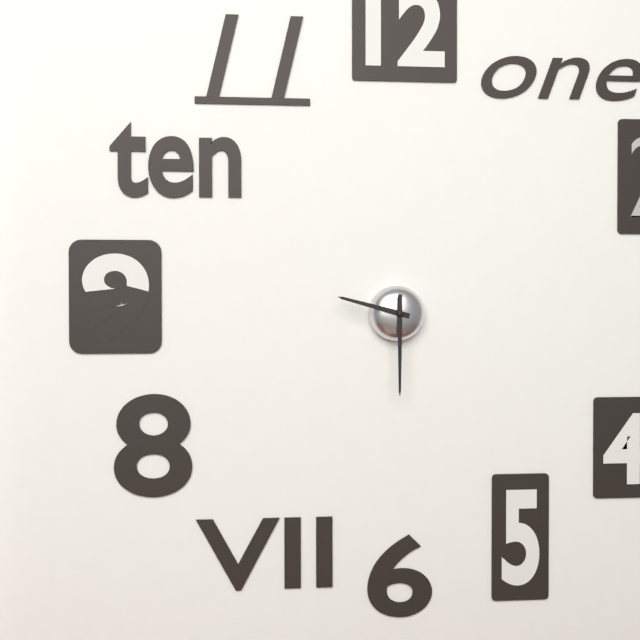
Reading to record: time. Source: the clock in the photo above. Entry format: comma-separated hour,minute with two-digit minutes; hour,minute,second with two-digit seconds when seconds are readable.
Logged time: 9,30
